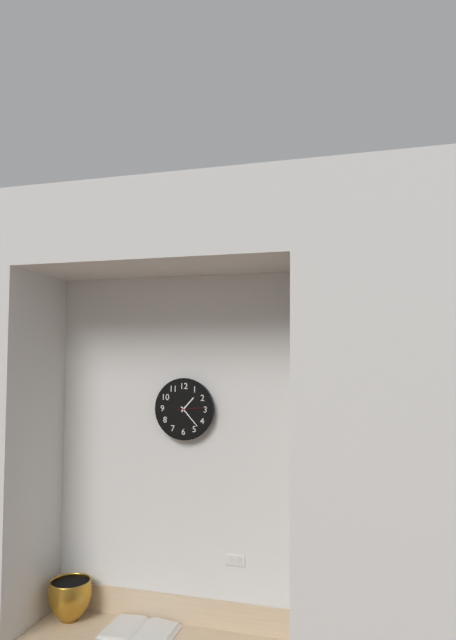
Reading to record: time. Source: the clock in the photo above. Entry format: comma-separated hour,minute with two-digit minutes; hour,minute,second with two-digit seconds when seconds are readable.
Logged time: 1,23
